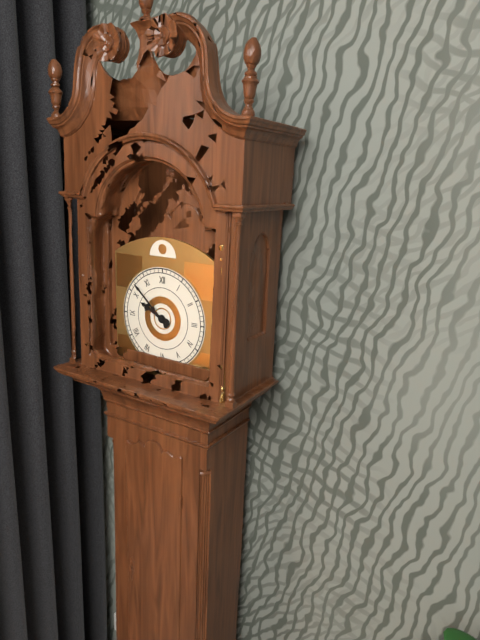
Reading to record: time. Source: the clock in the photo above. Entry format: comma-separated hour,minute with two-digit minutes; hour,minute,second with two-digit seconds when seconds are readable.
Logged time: 9,52
